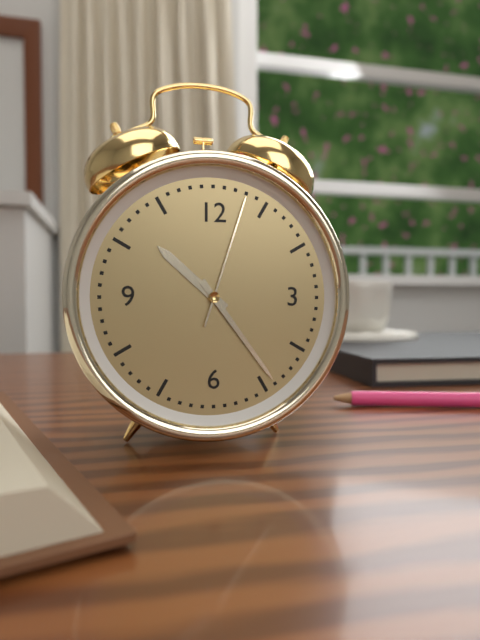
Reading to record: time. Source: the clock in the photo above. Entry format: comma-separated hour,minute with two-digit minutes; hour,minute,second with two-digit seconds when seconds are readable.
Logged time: 10,24,03
